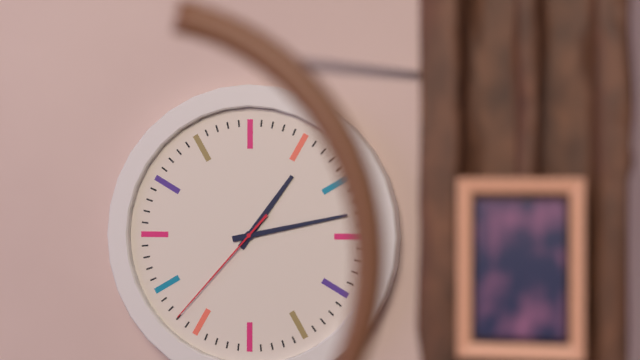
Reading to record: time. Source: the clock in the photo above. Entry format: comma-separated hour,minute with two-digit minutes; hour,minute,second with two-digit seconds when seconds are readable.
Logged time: 1,13,37
